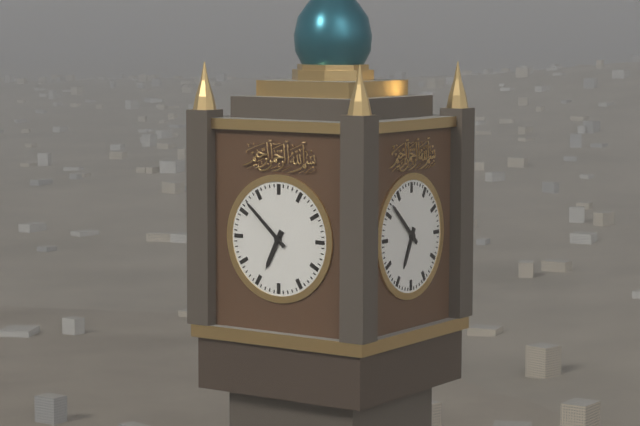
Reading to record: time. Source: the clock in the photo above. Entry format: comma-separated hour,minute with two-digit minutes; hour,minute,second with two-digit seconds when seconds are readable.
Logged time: 6,52
